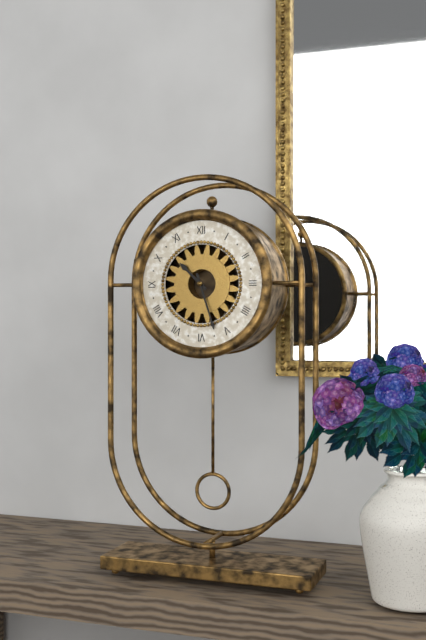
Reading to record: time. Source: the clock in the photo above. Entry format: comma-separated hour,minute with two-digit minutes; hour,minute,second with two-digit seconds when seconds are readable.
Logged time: 10,27
